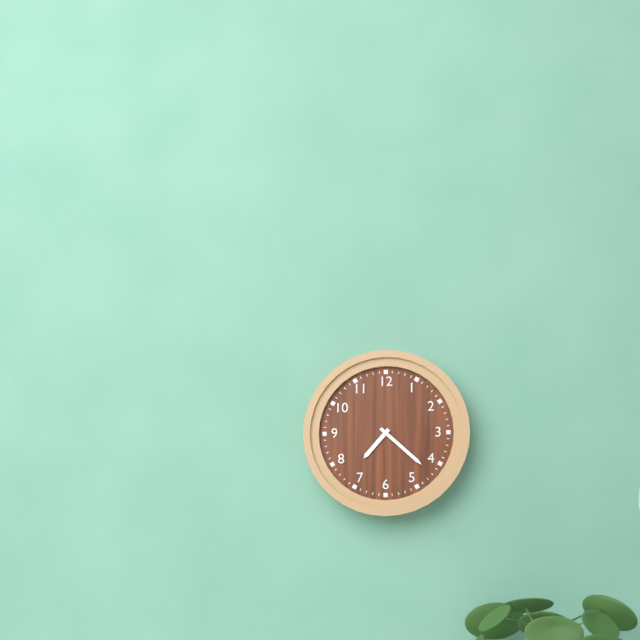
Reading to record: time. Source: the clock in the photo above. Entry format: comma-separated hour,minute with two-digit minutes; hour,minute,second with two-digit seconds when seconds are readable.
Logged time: 7,22
